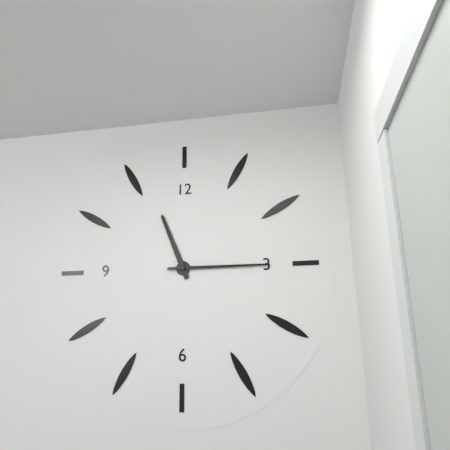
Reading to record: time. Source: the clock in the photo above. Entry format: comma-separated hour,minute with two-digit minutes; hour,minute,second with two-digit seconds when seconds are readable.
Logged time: 11,15
